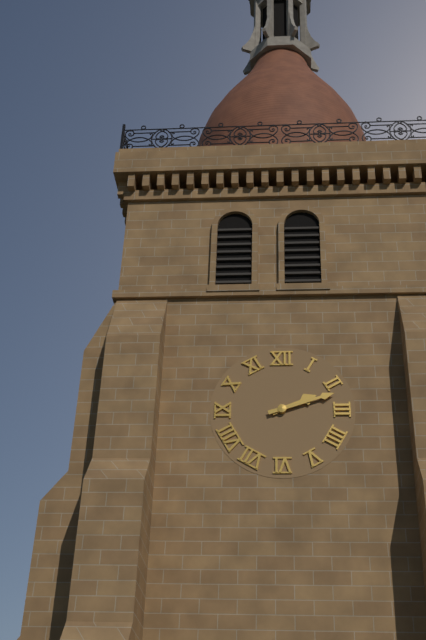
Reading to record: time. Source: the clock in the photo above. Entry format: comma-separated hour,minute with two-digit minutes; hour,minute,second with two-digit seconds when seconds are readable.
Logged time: 2,12
